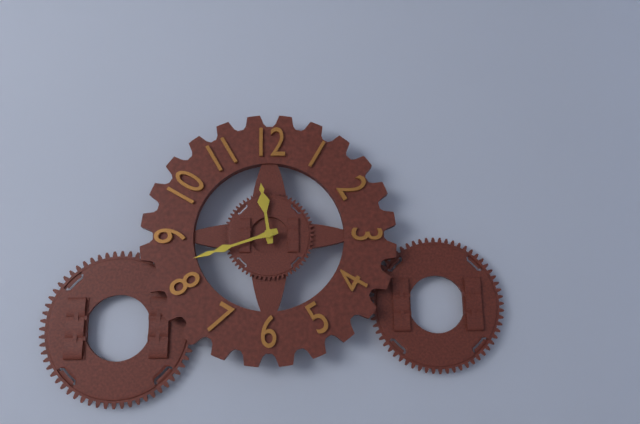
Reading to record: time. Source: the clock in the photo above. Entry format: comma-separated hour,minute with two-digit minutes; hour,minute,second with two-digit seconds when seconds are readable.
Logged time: 11,42
